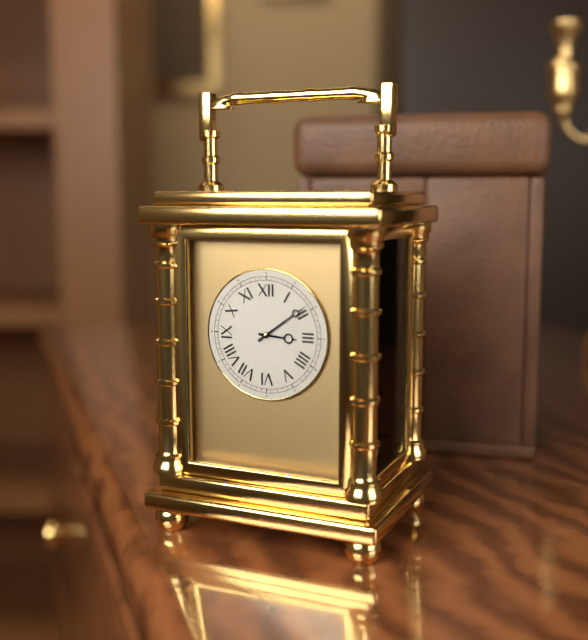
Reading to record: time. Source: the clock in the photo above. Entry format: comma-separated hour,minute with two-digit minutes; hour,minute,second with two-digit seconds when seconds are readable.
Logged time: 3,09
